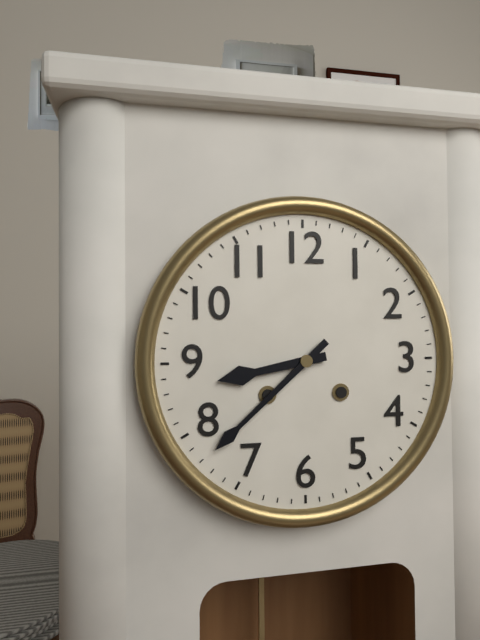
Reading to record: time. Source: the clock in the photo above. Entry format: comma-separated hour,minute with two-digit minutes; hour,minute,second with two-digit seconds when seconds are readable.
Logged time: 8,38
